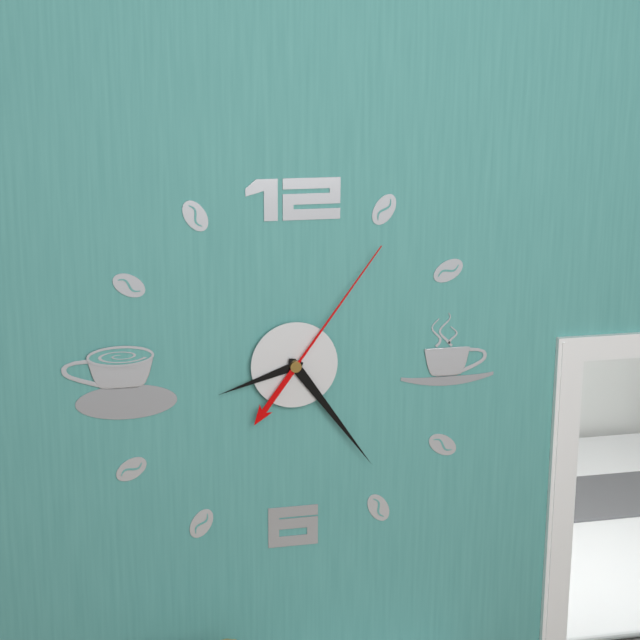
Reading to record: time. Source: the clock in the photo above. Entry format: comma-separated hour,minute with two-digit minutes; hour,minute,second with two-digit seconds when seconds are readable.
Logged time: 8,24,06
